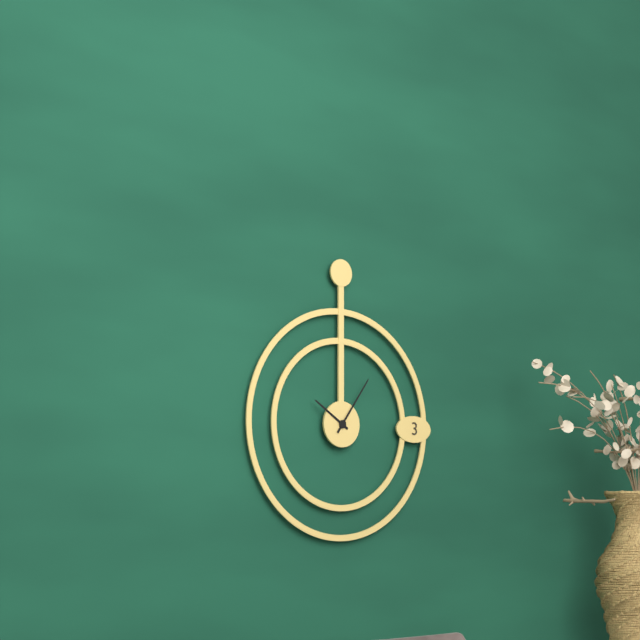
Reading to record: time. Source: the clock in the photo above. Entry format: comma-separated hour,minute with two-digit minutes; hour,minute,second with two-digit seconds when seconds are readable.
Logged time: 10,06
